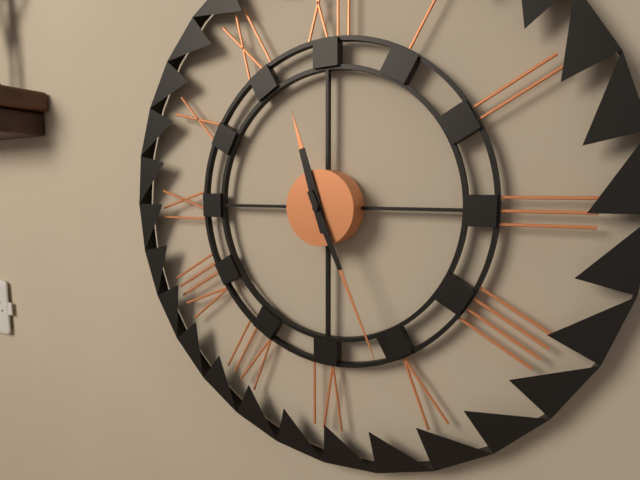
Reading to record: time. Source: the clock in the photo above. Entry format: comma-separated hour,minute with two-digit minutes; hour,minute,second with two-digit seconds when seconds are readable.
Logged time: 11,26
